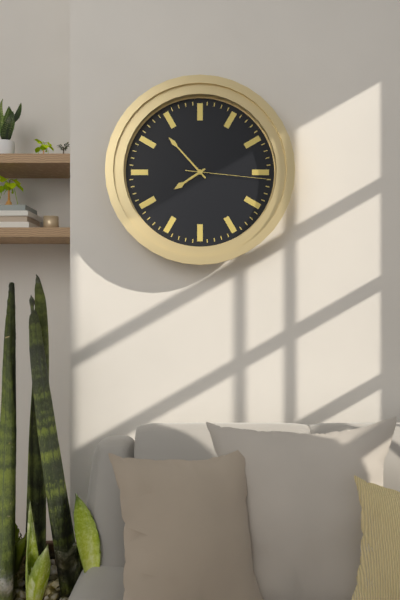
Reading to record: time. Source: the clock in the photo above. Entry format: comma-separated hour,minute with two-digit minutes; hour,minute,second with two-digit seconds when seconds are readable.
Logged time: 7,53,16
